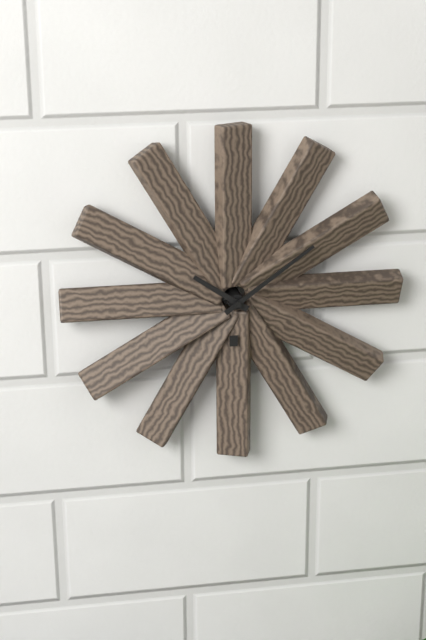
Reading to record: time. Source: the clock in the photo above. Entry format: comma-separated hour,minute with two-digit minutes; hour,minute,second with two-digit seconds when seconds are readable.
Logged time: 10,09
